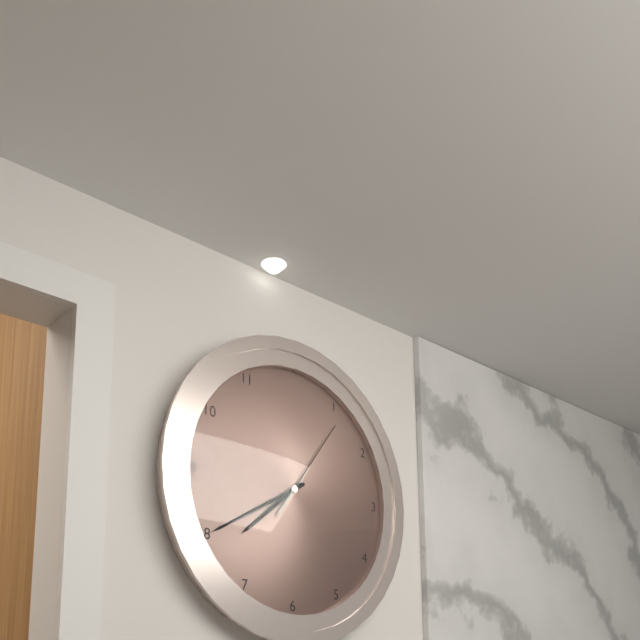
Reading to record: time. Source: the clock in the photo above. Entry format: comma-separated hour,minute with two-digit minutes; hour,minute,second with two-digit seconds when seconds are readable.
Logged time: 7,40,06
